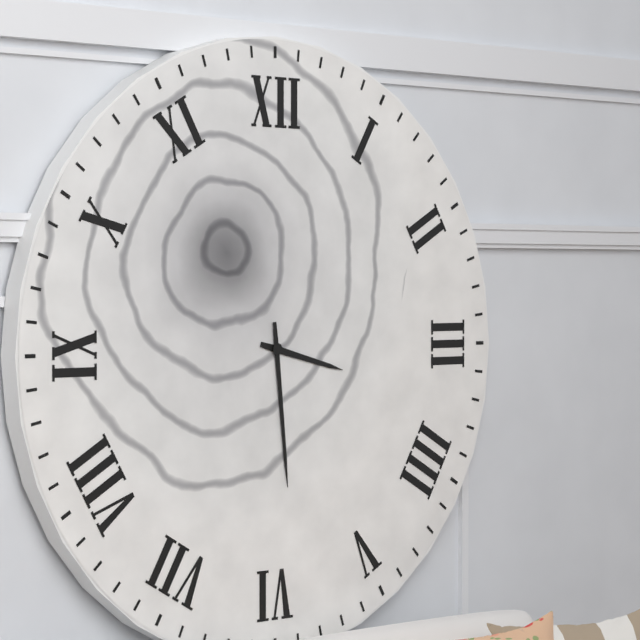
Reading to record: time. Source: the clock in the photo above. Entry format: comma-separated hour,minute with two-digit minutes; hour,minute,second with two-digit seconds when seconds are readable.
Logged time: 3,29
